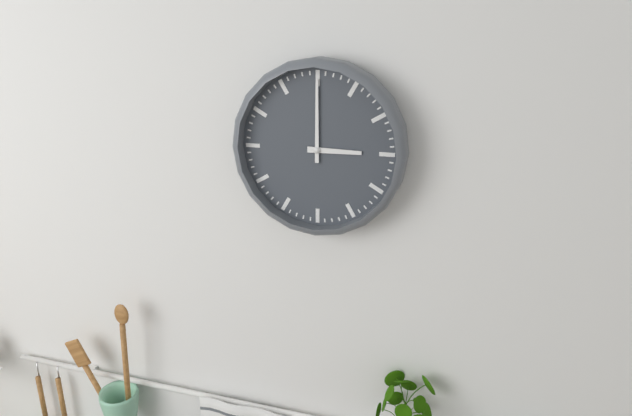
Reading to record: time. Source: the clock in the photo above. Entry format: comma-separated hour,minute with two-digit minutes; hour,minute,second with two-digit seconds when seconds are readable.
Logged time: 3,00
